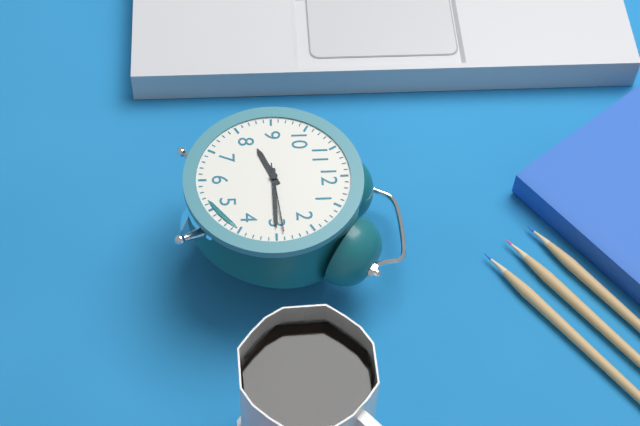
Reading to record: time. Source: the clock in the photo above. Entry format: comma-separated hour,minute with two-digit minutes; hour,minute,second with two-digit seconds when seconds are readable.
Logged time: 8,15,14
